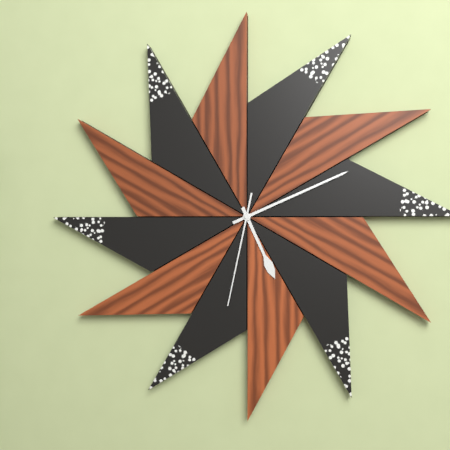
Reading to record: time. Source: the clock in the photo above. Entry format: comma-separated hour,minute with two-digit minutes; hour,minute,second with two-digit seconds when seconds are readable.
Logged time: 5,11,32
